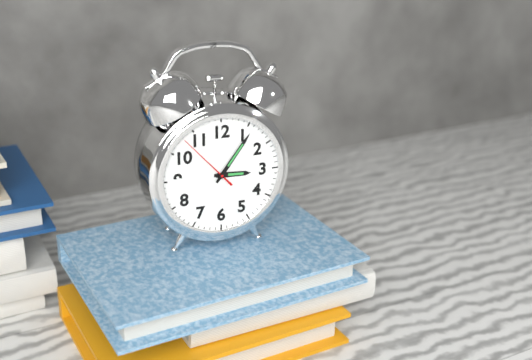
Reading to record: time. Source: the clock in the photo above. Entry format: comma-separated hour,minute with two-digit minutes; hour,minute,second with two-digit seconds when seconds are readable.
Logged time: 3,06,53
